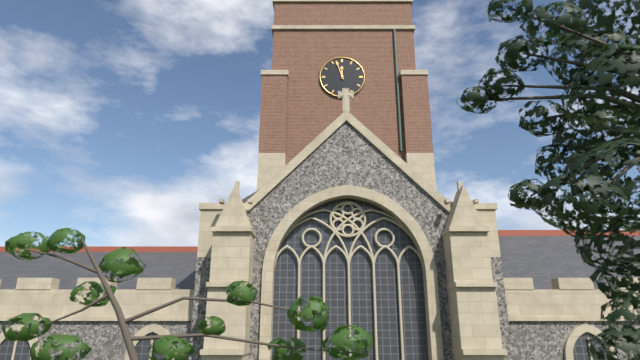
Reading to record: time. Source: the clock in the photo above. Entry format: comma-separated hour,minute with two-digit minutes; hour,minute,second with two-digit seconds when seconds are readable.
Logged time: 11,57
